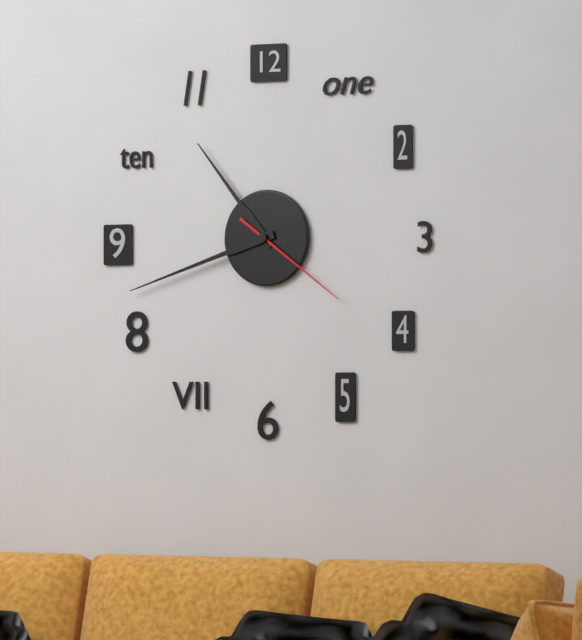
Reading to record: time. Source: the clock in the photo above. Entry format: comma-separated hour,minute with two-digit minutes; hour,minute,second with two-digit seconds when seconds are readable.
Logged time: 10,42,21
